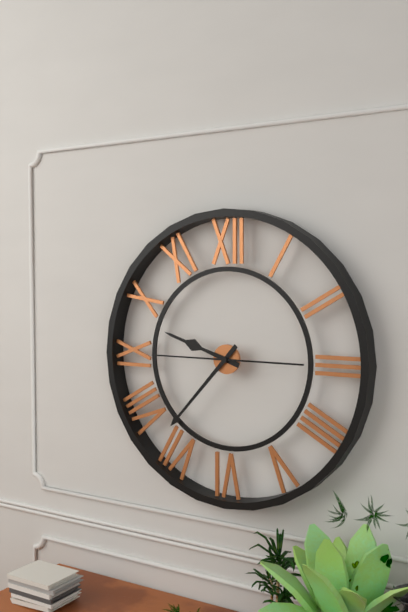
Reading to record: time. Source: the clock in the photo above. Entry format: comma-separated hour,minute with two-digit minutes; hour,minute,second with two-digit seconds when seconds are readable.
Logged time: 9,37,45
